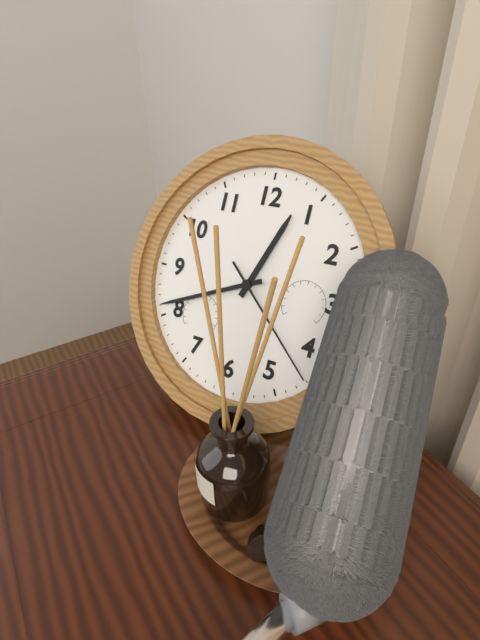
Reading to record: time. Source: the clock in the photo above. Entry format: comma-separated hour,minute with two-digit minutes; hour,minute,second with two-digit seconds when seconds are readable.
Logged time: 12,41,22
